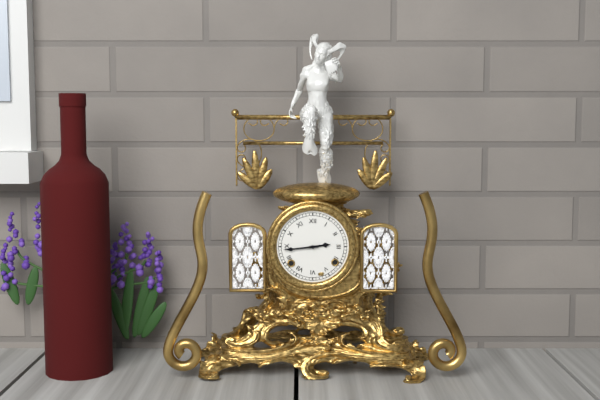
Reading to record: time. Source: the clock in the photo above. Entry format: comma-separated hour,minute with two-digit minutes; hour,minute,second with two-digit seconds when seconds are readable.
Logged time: 2,44
